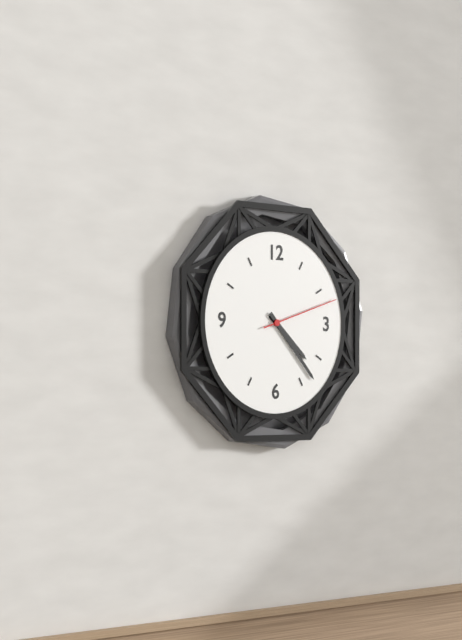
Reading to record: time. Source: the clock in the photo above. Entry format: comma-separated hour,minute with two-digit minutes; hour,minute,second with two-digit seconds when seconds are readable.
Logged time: 4,23,12
